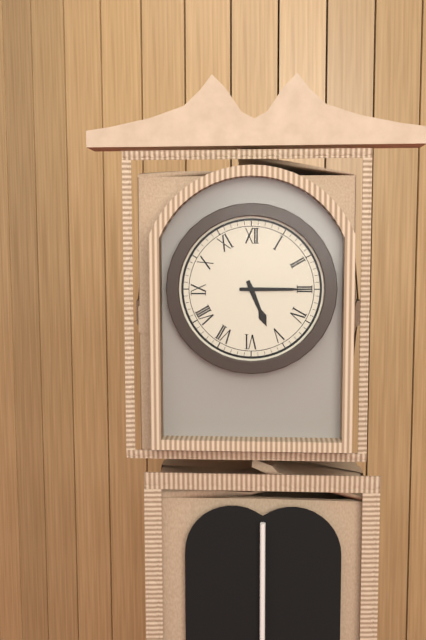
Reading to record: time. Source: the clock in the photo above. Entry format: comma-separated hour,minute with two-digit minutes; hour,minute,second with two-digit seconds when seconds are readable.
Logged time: 5,15
